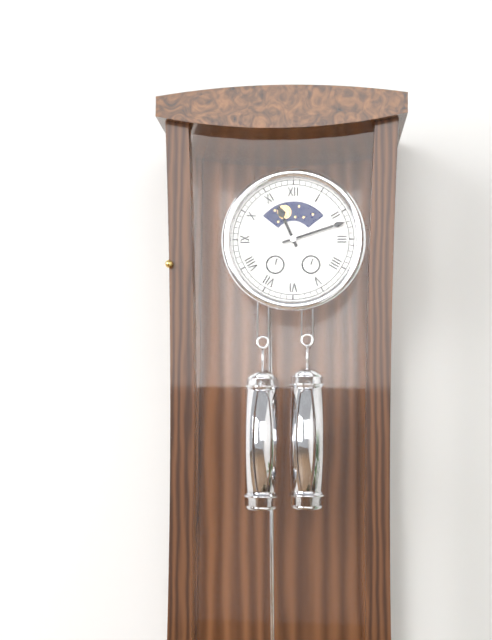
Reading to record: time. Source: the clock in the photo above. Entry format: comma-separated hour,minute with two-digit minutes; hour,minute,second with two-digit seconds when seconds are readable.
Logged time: 11,12
